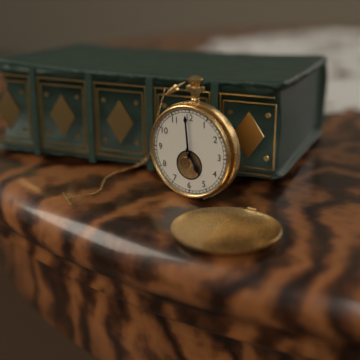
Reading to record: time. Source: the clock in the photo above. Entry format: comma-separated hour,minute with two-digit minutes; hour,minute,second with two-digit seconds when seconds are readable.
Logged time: 4,59
